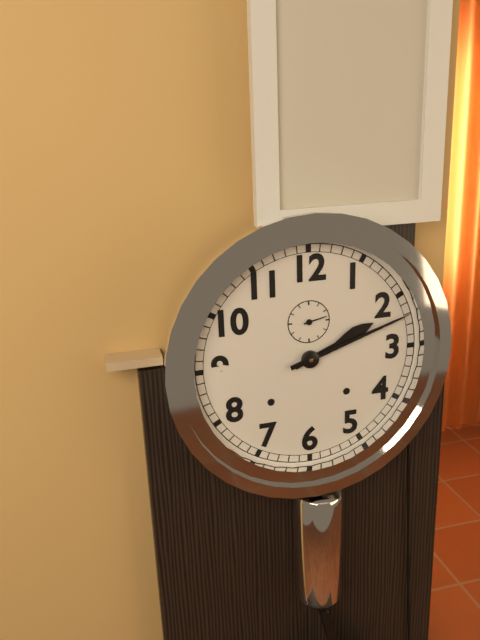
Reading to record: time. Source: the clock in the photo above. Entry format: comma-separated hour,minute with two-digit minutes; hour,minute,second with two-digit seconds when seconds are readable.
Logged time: 2,12
